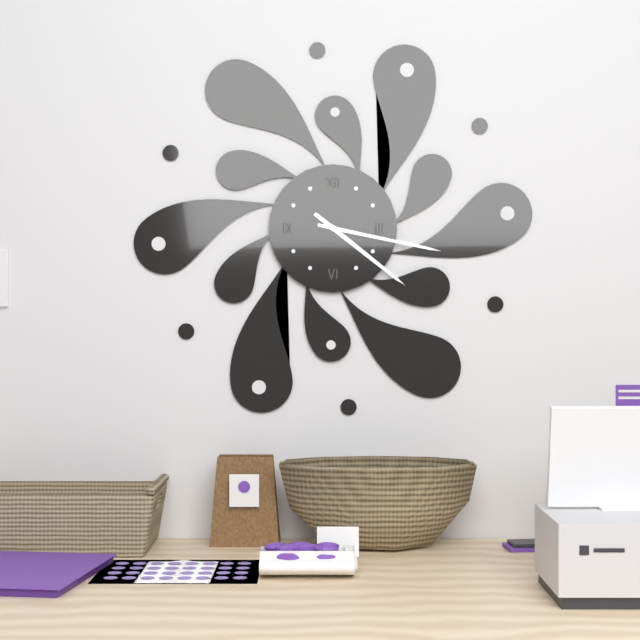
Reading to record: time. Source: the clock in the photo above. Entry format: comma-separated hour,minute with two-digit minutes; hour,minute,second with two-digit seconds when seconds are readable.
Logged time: 4,17
